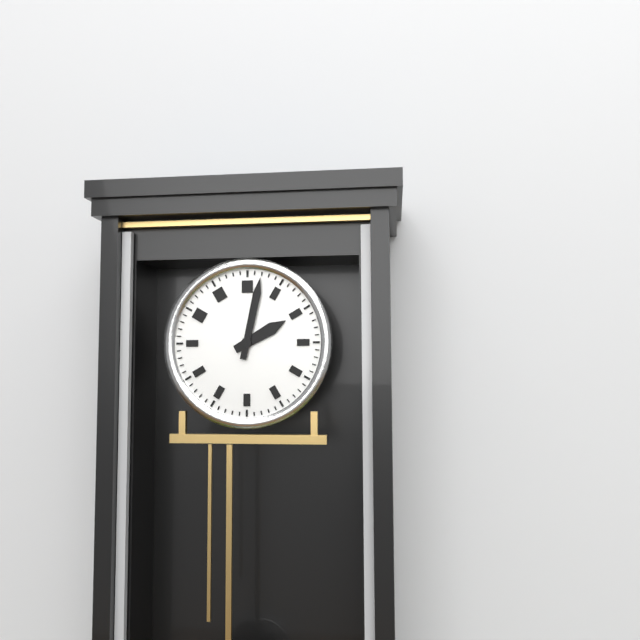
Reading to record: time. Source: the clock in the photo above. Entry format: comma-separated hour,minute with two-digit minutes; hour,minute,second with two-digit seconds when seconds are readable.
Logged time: 2,02
